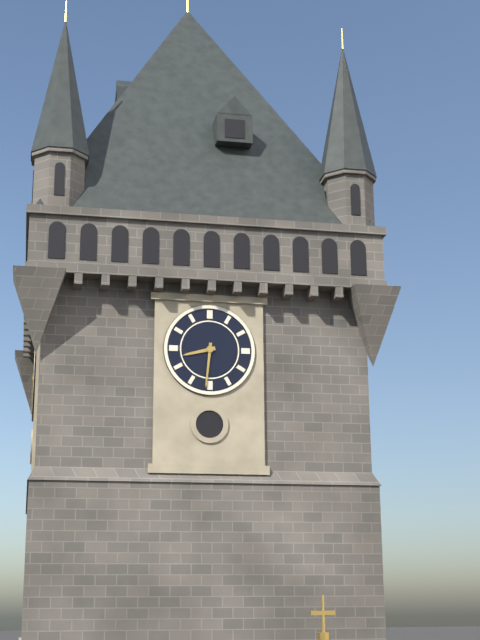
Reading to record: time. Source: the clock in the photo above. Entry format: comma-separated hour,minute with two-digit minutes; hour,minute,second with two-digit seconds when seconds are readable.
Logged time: 8,31
